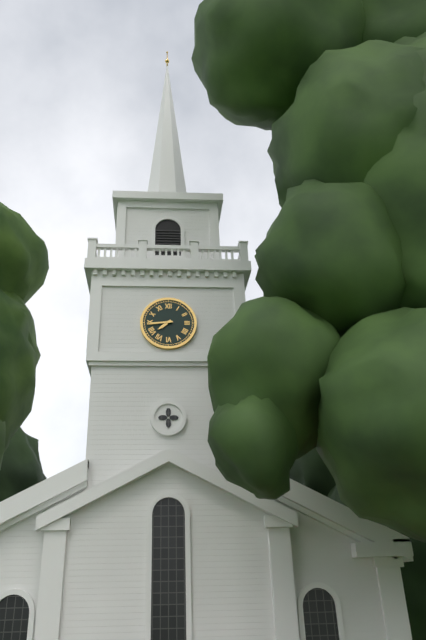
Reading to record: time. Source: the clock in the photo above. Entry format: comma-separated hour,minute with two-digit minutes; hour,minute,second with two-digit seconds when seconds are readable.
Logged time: 7,44
